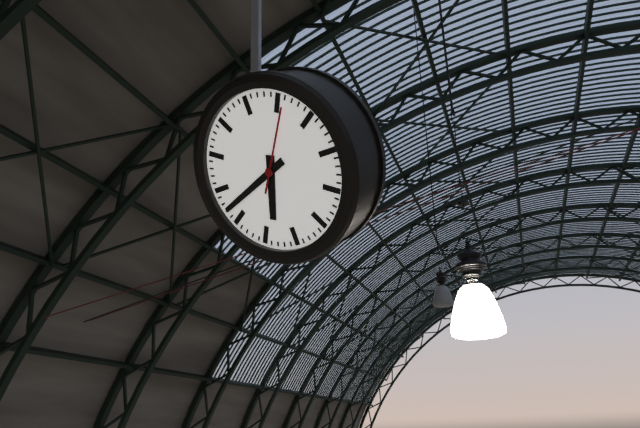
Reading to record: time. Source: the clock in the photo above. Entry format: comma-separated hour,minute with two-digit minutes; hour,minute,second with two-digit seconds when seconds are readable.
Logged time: 6,42,06
